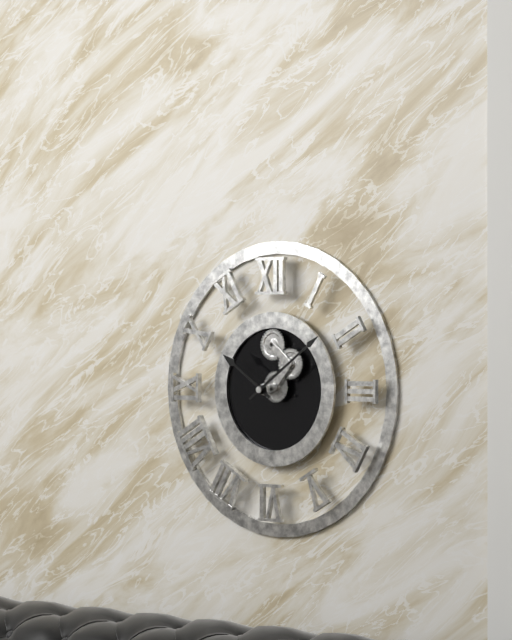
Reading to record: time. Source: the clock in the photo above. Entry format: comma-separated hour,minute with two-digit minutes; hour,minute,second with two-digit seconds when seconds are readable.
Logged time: 10,09
